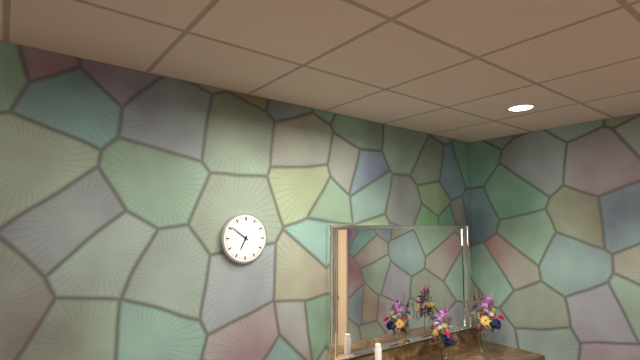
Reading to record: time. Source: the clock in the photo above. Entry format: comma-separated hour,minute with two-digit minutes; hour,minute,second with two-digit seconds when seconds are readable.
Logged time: 6,51
